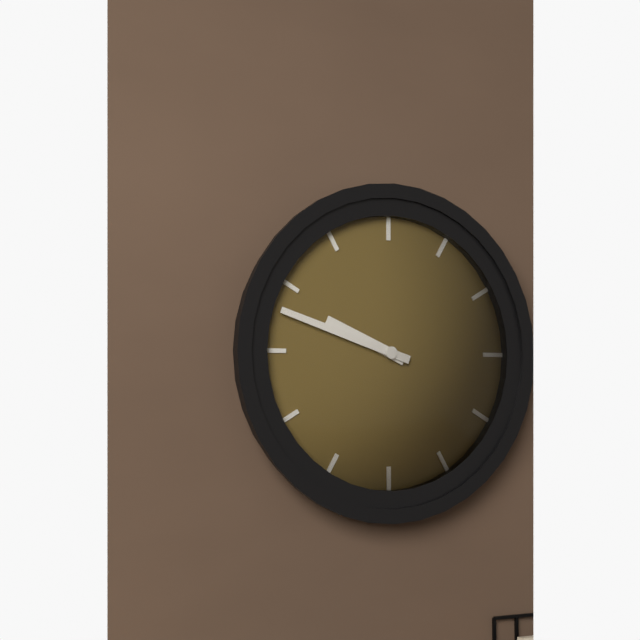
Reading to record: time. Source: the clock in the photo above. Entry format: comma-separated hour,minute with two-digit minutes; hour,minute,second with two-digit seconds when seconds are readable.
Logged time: 9,48
